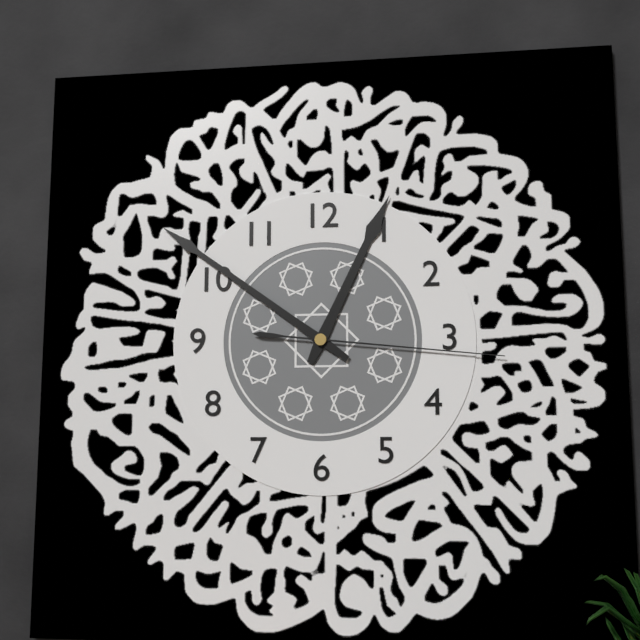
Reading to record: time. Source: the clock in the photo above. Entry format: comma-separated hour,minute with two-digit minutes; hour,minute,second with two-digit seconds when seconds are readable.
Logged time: 12,51,16
